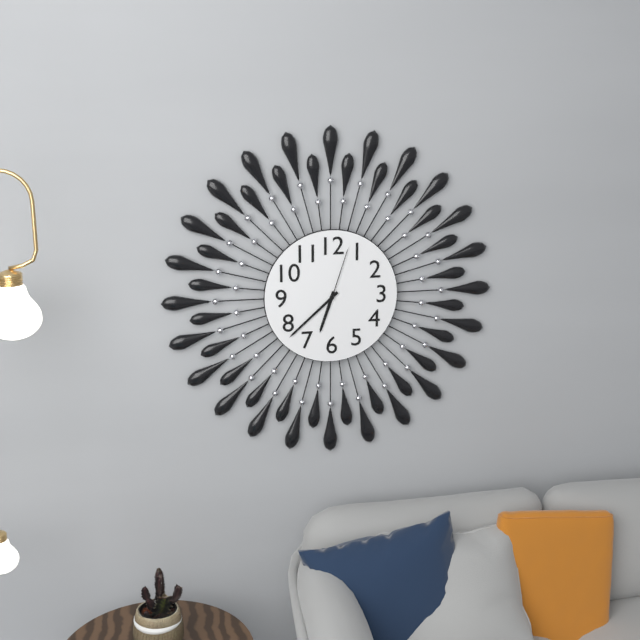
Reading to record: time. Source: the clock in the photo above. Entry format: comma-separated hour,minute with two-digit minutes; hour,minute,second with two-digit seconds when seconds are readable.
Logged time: 6,38,03
